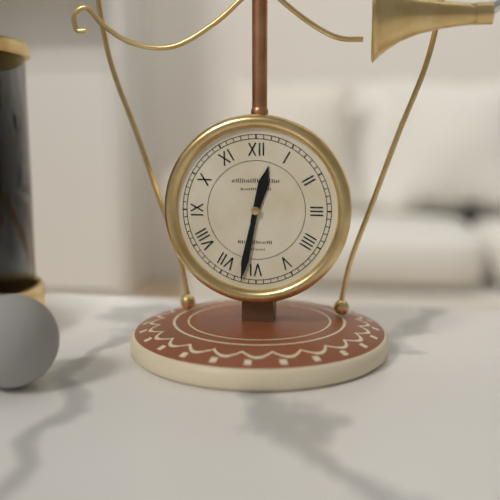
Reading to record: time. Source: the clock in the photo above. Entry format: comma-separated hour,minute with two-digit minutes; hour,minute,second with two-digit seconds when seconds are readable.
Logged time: 12,32
